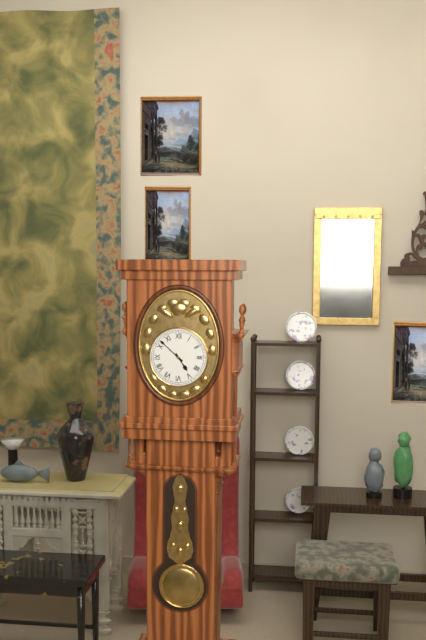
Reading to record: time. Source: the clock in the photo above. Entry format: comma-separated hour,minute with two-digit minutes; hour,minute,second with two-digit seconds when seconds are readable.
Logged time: 4,52
